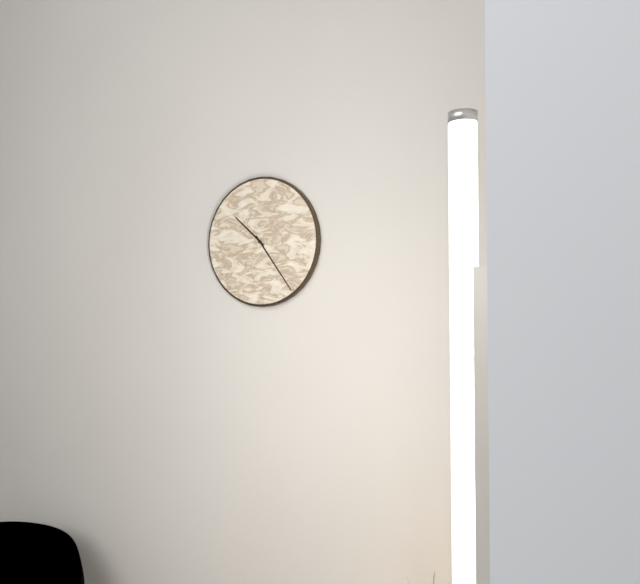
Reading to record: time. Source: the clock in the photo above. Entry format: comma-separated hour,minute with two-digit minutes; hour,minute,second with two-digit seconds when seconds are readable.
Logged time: 10,24
